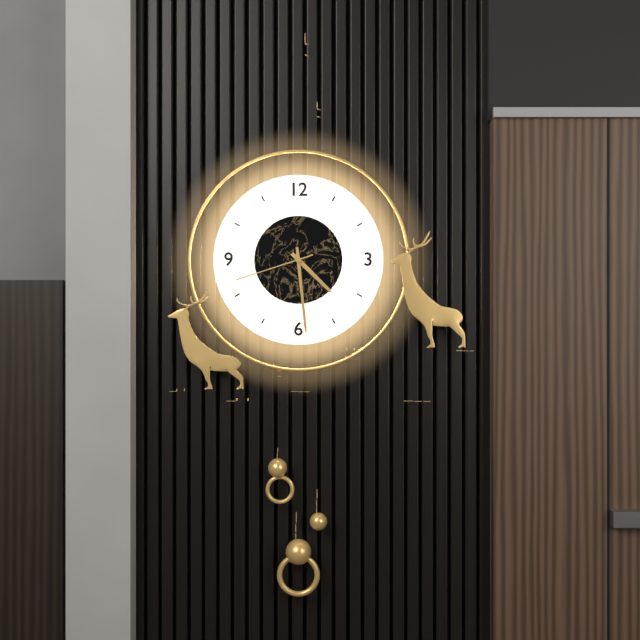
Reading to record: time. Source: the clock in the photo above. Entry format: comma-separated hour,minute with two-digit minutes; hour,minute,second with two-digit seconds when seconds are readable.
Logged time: 4,29,42
